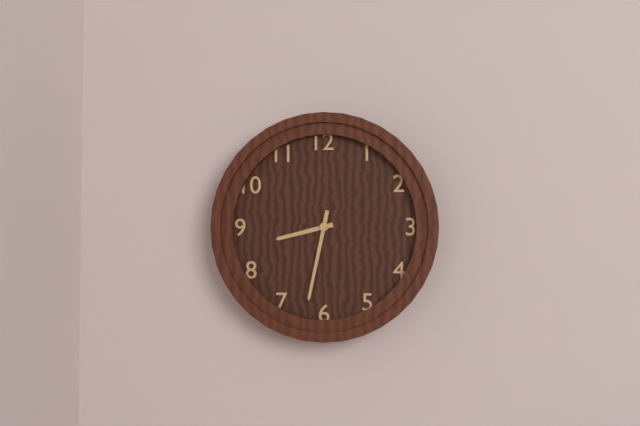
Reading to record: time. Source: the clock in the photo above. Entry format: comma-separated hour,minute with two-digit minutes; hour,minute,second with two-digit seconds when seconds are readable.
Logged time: 8,32
